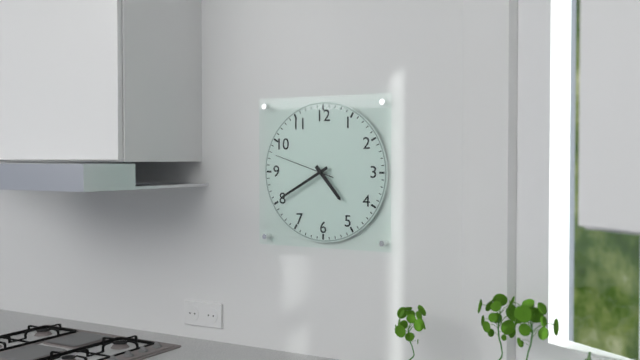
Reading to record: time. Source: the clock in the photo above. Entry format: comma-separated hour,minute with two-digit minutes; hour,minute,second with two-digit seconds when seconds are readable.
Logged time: 4,40,48
